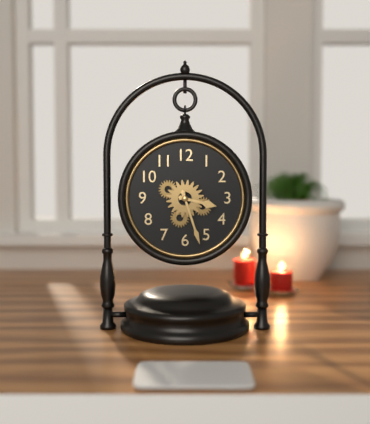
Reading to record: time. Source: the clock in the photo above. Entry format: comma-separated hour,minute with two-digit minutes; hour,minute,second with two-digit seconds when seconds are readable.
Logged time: 3,27
